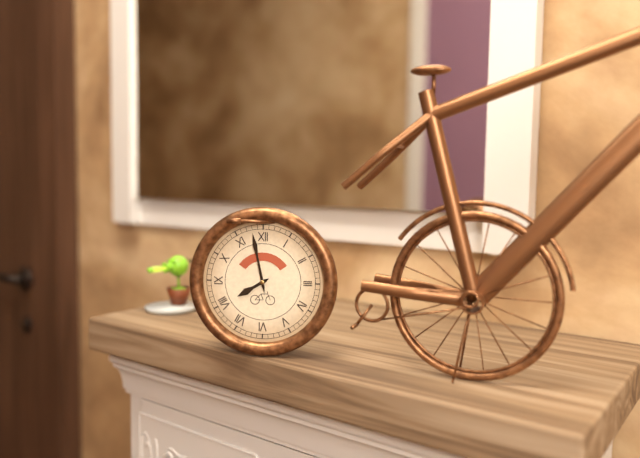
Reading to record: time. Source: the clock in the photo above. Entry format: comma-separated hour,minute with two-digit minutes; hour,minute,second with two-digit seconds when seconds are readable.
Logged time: 7,58
